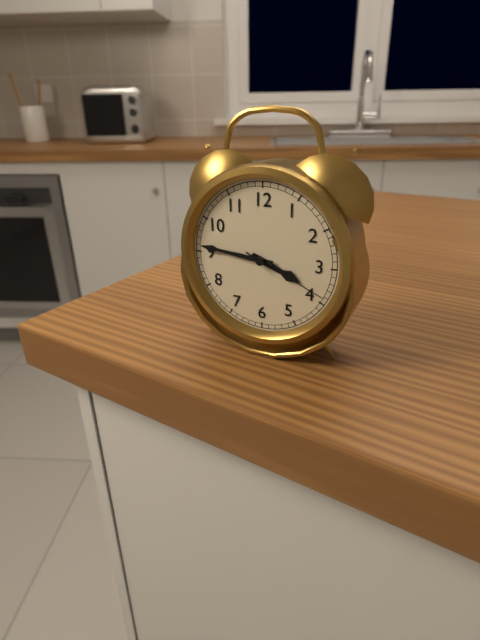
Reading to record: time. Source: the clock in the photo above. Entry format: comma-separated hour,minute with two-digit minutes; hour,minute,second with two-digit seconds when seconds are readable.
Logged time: 3,46,19
